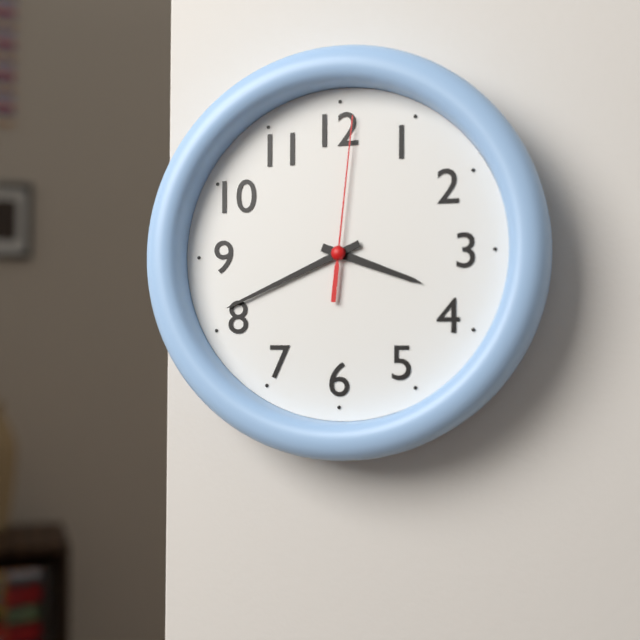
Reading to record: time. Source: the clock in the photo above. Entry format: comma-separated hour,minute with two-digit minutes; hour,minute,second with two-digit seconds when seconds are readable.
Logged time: 3,41,01
